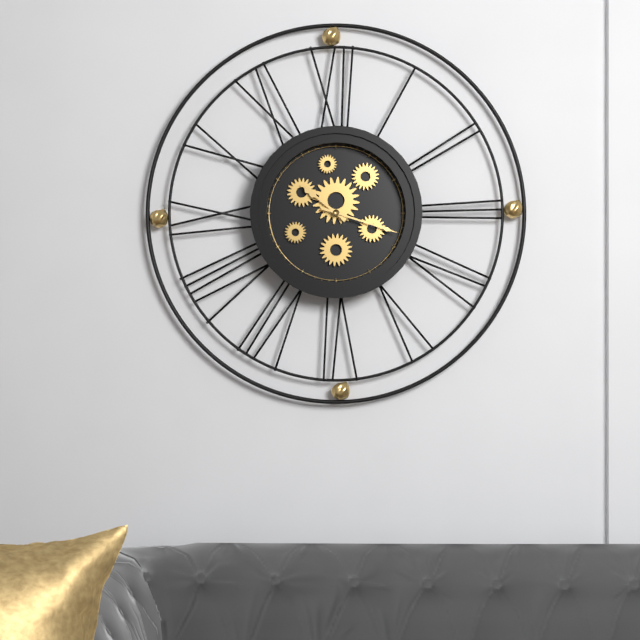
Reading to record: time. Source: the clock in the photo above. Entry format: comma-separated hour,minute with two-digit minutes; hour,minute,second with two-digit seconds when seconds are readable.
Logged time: 10,18
